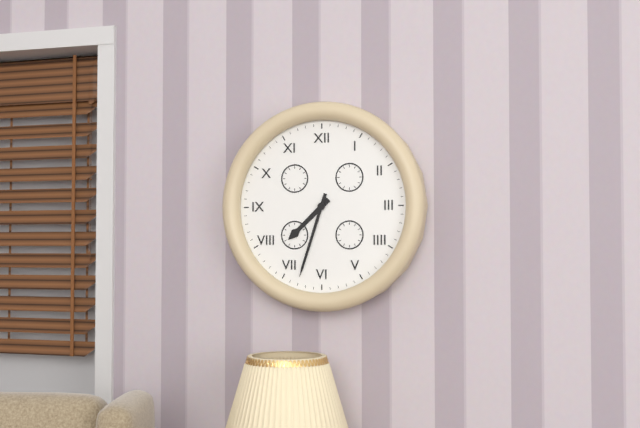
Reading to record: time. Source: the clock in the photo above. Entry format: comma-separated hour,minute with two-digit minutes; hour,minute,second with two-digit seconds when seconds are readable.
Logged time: 7,33
